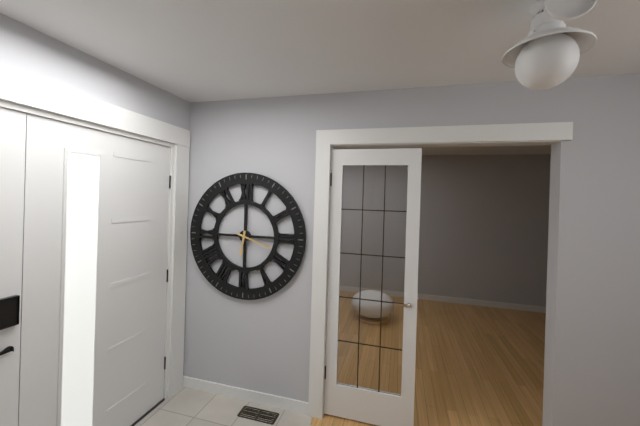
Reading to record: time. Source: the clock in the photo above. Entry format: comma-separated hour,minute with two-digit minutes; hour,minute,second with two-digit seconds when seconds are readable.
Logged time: 6,18
